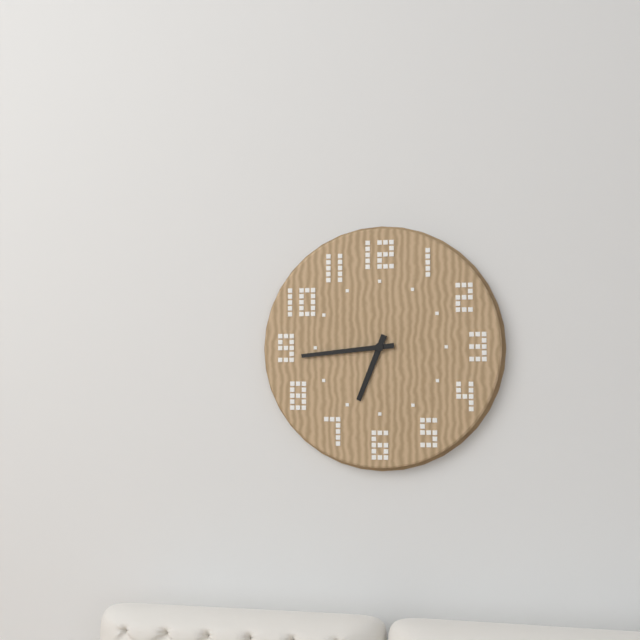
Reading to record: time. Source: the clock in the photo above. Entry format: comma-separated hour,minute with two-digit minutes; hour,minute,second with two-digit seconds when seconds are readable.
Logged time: 6,44
